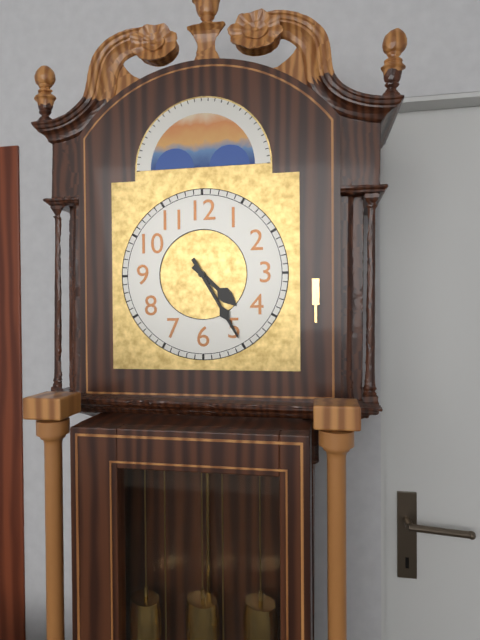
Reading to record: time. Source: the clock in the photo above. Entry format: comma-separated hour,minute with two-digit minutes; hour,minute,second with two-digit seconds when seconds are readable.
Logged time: 4,25
